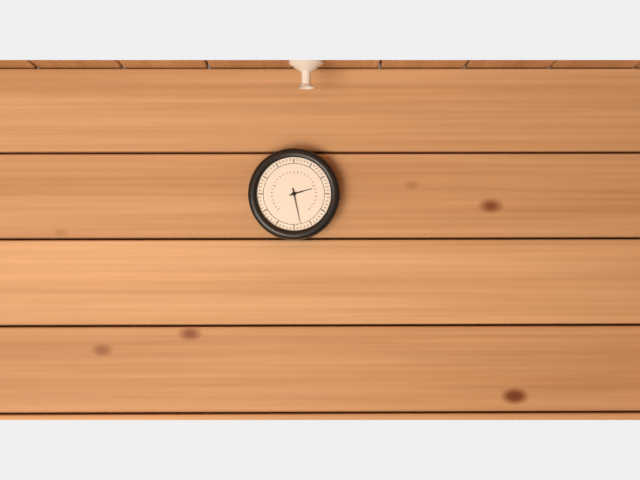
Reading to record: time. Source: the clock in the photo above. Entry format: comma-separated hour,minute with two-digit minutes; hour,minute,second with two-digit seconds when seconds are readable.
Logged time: 2,28
